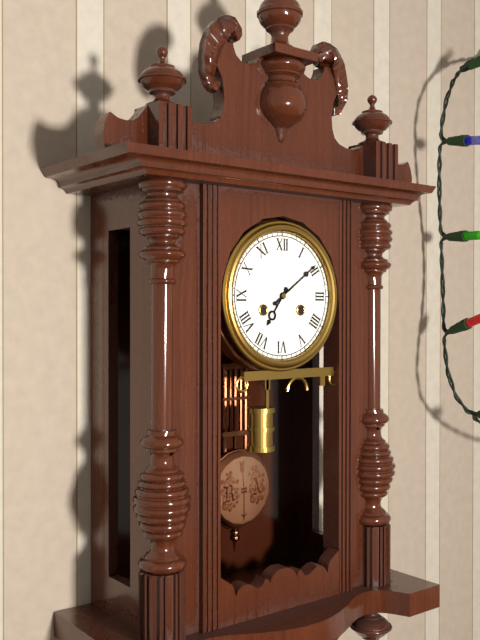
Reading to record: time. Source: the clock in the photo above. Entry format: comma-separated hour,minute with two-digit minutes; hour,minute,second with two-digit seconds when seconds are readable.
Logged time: 7,09
